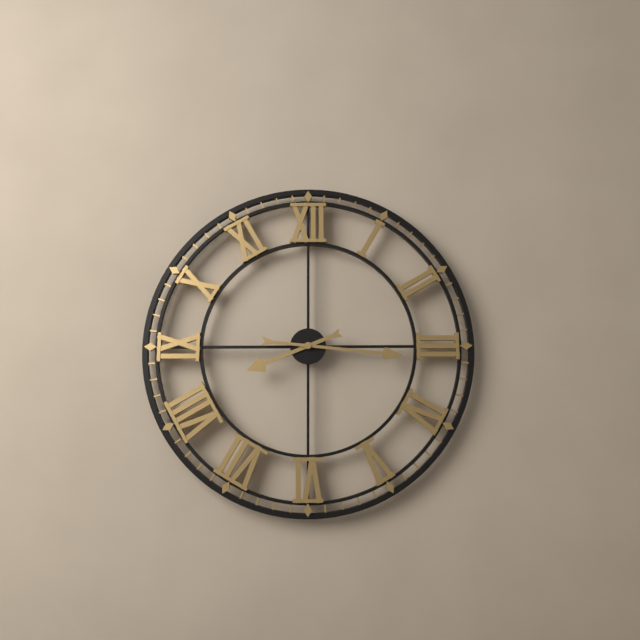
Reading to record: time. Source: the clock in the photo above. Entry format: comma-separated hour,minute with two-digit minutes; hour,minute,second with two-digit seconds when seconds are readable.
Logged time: 8,16
